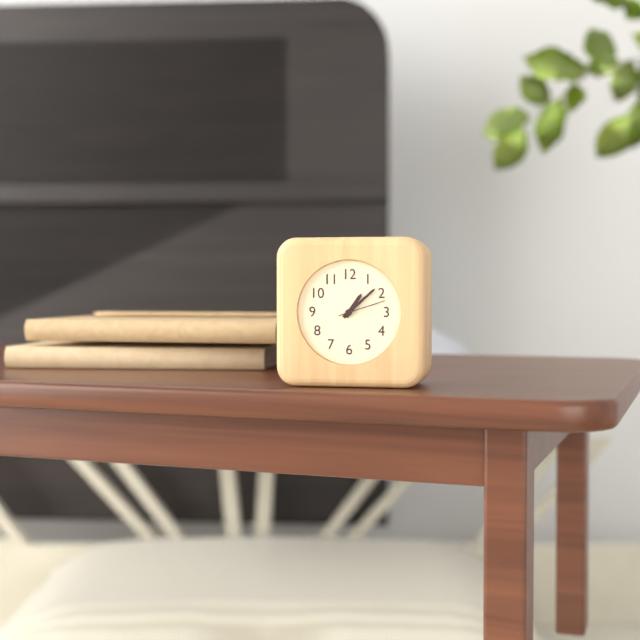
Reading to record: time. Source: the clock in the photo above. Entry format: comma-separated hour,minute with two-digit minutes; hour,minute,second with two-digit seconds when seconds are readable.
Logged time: 1,08
